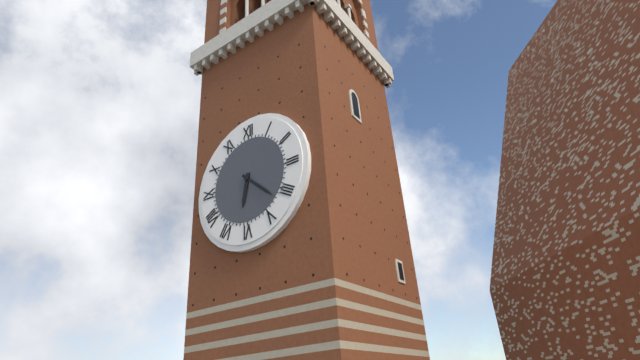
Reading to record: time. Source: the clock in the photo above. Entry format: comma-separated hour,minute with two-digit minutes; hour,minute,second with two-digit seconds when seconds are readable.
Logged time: 6,22
